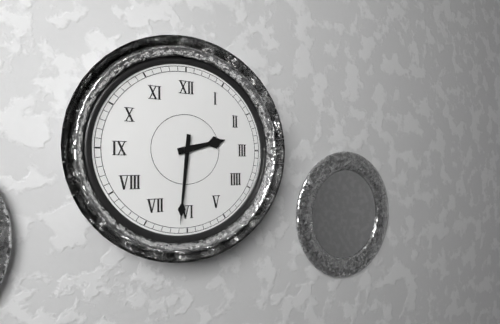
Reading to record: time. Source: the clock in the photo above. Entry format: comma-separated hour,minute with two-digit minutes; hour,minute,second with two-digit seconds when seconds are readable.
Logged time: 2,31
